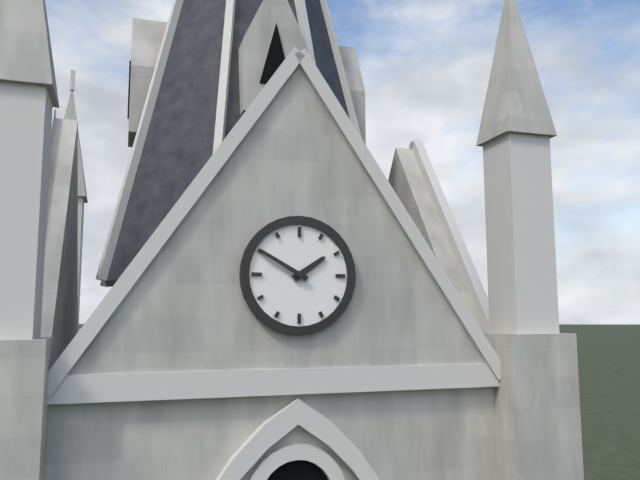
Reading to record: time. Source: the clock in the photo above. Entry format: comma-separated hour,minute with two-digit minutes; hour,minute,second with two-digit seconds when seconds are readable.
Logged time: 1,50
